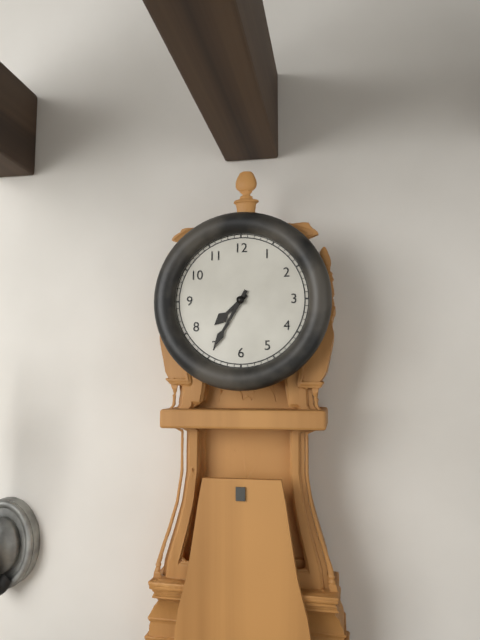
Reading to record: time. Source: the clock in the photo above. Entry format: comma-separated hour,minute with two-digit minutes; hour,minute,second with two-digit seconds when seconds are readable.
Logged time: 7,35
